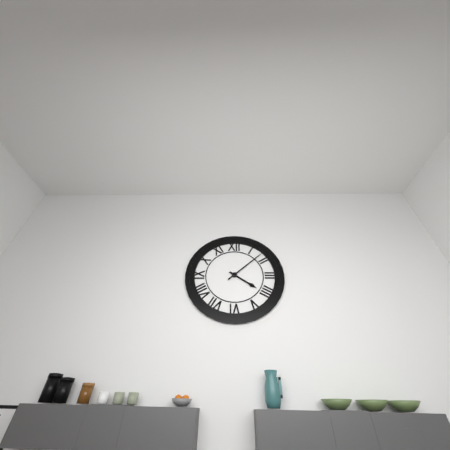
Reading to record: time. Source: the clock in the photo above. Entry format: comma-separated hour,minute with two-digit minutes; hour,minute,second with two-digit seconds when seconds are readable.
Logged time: 4,08
